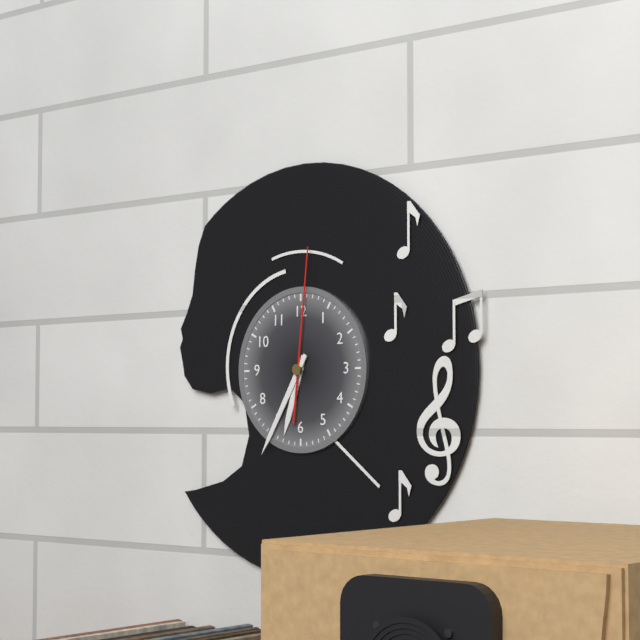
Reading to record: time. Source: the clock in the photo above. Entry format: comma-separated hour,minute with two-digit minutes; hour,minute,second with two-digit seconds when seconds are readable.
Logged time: 6,35,01
